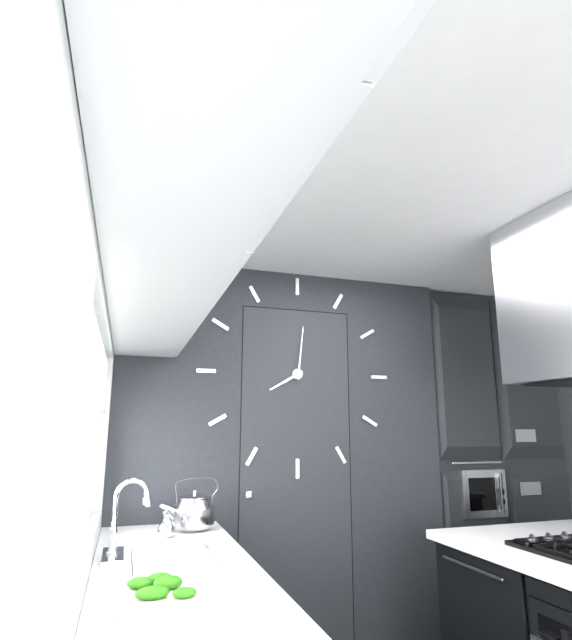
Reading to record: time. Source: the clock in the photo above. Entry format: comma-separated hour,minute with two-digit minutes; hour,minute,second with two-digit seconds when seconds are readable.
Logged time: 8,01
